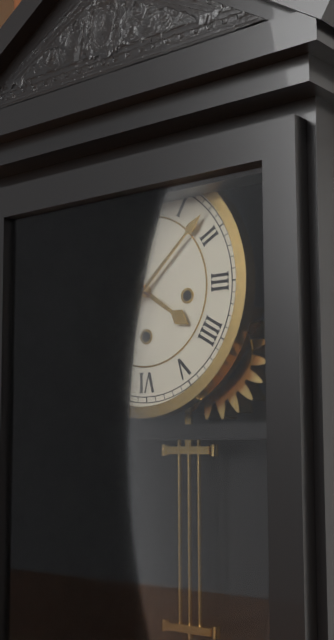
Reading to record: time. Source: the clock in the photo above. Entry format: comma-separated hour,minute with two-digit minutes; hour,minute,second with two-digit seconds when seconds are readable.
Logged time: 4,08
